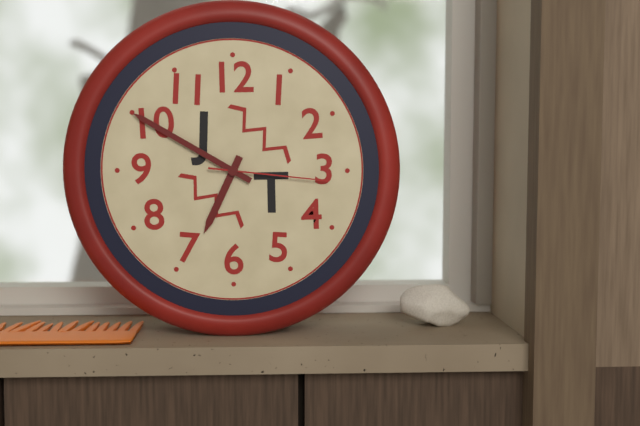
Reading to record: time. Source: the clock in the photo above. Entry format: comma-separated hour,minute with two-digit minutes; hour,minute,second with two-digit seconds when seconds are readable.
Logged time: 6,50,16
